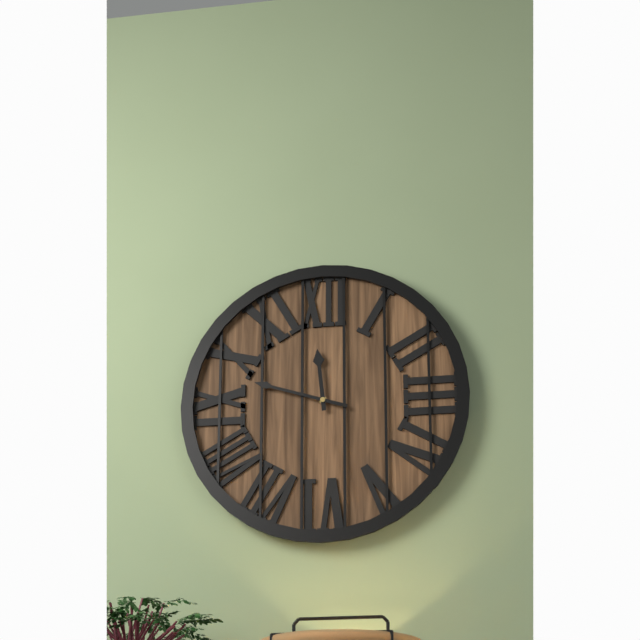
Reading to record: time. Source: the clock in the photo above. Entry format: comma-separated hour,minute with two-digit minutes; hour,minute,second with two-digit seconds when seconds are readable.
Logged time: 11,48
